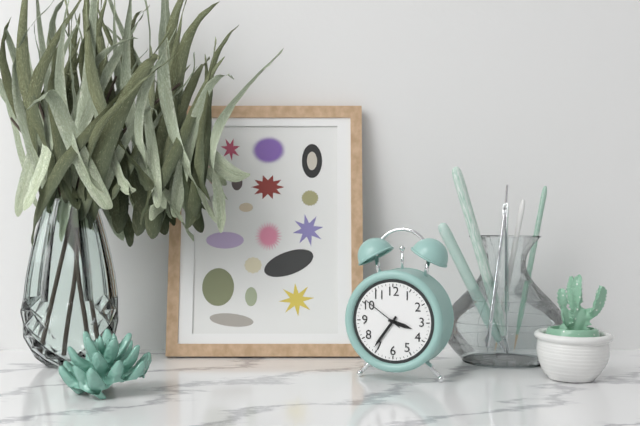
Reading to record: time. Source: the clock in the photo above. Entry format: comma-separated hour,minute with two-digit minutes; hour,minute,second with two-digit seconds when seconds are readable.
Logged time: 3,36
